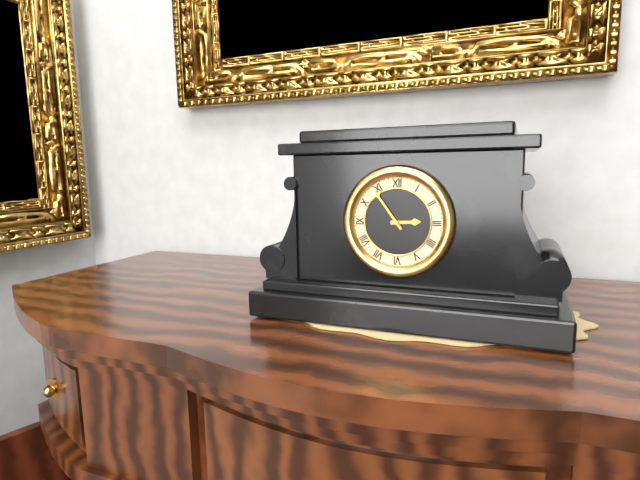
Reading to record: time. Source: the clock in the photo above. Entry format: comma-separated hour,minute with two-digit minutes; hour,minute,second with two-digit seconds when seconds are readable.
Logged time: 2,54
